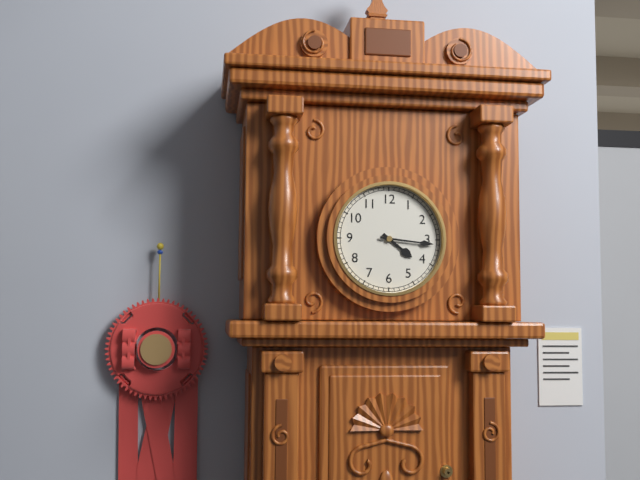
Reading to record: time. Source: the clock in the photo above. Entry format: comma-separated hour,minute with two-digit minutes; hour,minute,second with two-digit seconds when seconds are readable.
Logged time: 4,16
